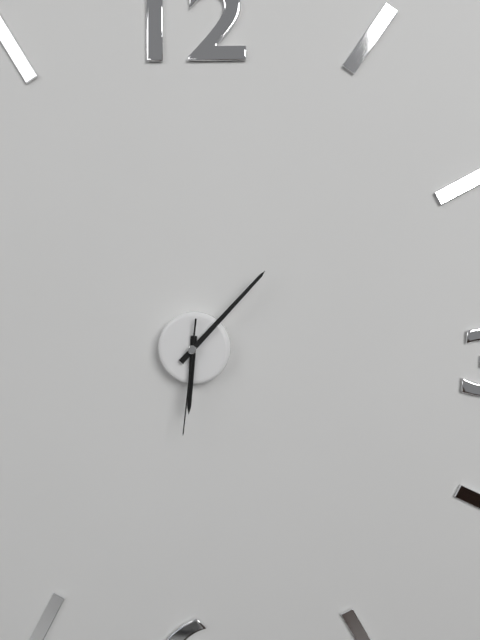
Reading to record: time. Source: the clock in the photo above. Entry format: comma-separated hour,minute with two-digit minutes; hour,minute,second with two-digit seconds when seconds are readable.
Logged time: 6,07,31
